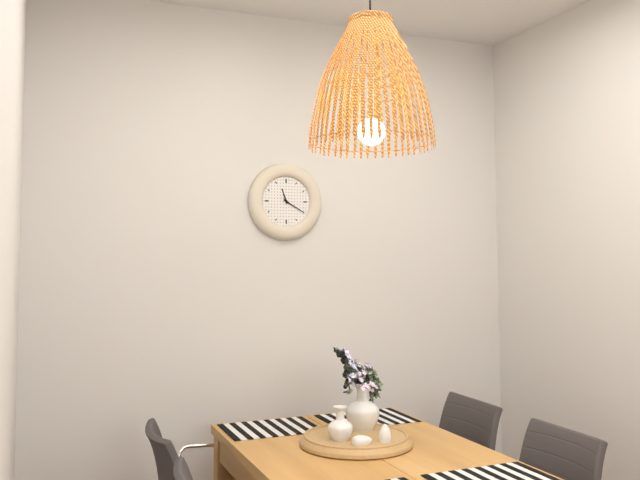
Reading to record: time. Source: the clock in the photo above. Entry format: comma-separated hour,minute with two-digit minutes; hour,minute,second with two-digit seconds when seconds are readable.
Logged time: 11,20
